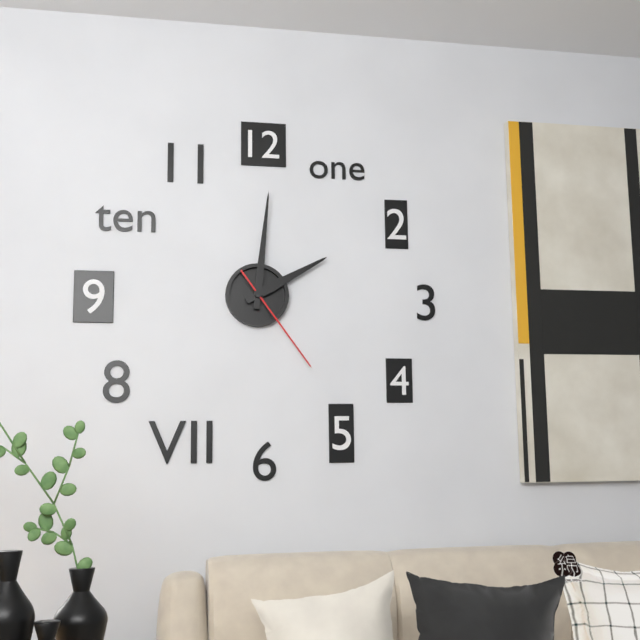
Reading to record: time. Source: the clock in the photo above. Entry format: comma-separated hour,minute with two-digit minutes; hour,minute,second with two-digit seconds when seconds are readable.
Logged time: 2,01,24
